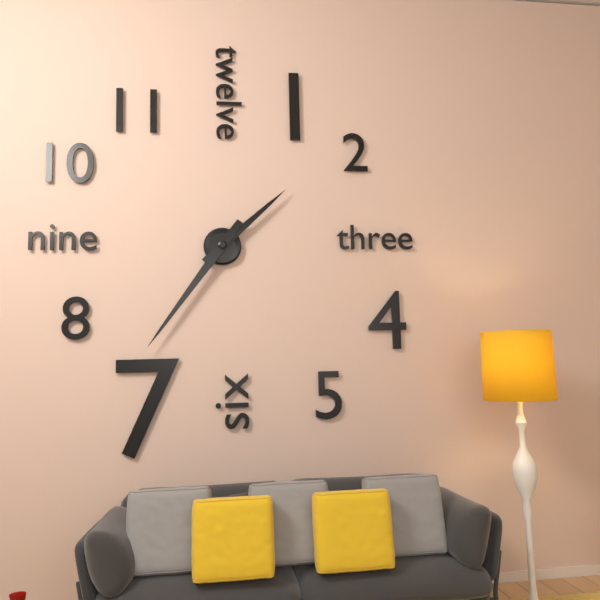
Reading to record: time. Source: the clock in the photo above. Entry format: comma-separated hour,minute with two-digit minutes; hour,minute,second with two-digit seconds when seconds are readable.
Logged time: 1,36
